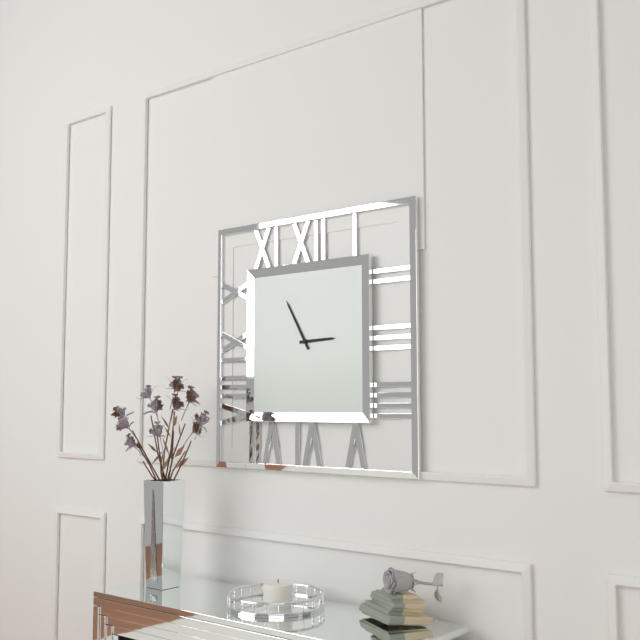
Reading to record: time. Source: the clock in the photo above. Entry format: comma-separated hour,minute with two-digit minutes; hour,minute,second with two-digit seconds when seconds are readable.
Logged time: 2,55
